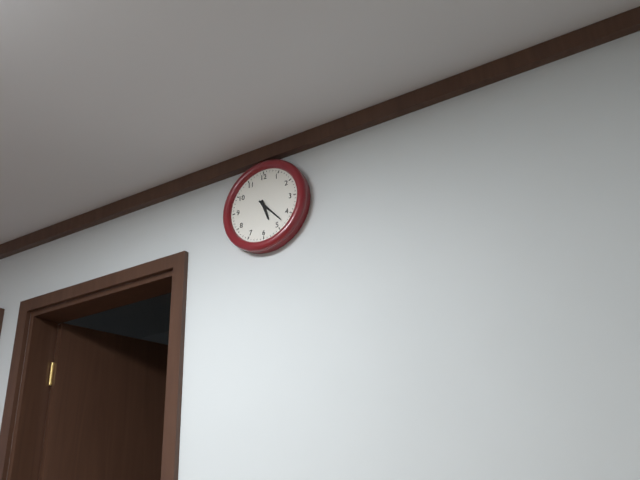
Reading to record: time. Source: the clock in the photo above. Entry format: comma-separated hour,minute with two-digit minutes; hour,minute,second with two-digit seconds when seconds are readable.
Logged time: 5,23
